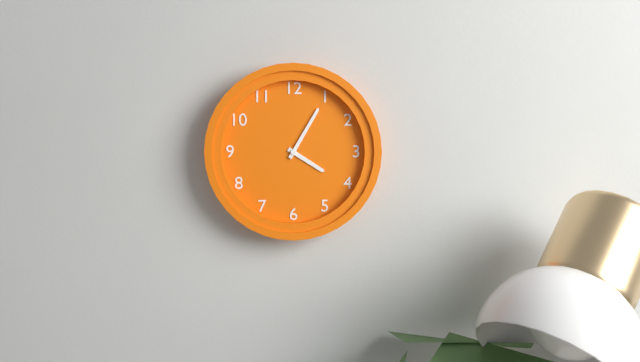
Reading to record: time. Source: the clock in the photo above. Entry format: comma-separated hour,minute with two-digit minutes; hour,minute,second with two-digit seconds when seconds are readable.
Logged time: 4,05
